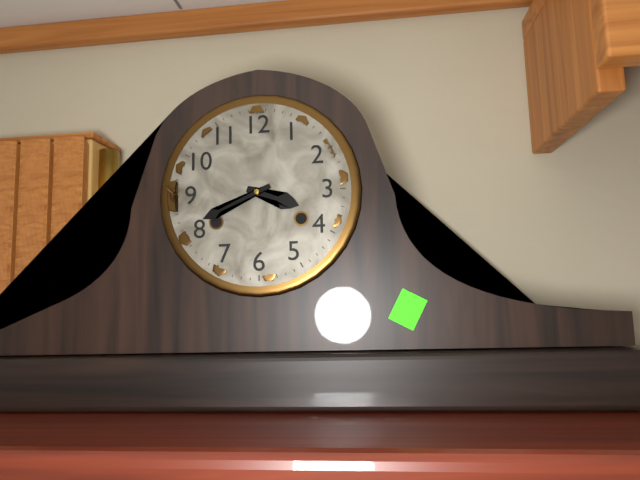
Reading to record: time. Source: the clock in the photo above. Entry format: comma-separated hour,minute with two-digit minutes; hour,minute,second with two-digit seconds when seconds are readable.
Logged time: 3,41
